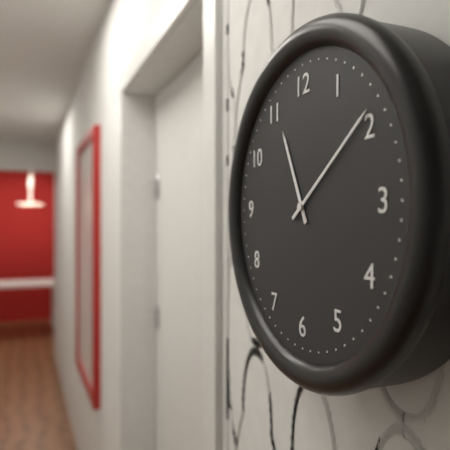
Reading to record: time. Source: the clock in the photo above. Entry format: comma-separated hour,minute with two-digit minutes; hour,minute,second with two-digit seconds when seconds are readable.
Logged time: 11,09
